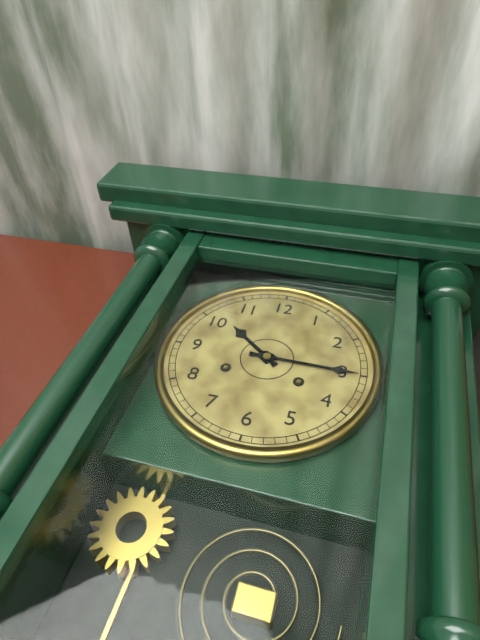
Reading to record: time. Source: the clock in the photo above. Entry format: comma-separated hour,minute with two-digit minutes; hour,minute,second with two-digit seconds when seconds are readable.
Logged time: 10,15
